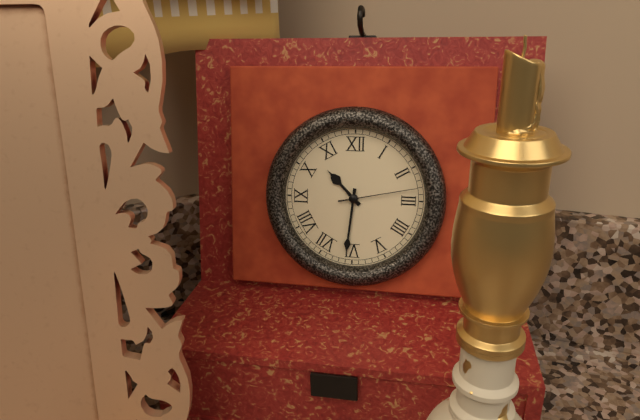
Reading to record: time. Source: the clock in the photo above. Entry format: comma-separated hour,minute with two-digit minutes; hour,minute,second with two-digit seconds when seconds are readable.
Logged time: 10,31,13
